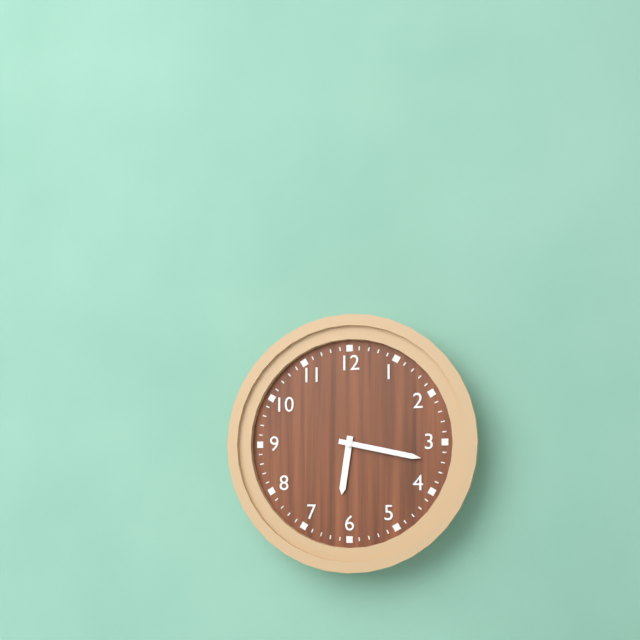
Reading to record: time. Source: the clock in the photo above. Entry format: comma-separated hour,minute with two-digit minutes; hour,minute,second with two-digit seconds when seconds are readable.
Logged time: 6,17
